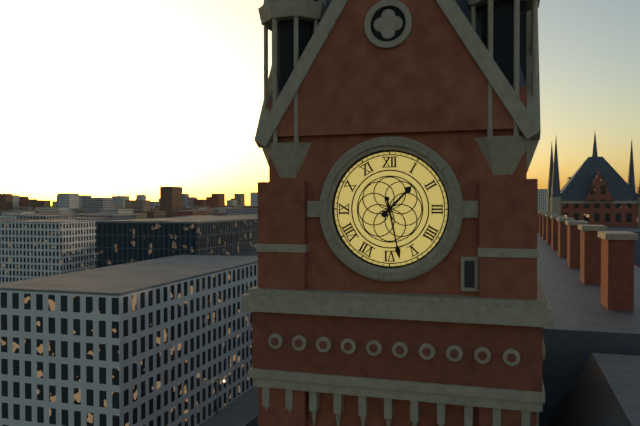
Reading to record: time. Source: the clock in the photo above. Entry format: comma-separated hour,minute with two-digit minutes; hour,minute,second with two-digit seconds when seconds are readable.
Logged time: 1,28
